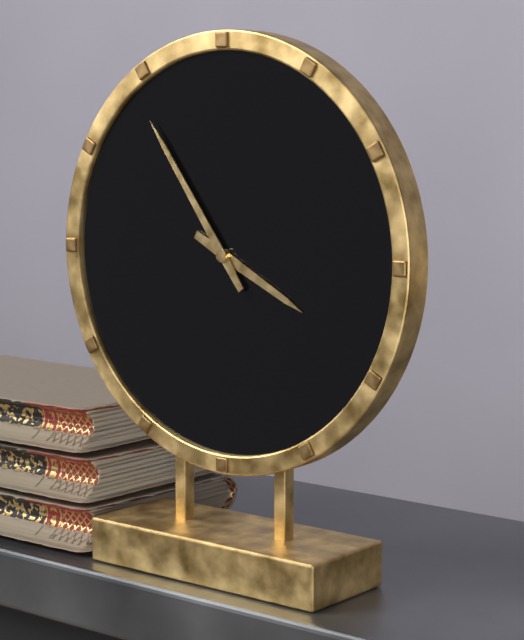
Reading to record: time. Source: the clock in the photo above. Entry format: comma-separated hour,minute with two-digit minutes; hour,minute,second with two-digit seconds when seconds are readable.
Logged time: 3,54
